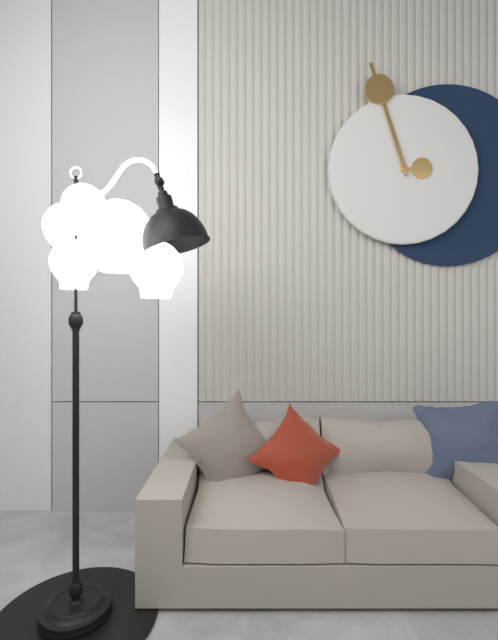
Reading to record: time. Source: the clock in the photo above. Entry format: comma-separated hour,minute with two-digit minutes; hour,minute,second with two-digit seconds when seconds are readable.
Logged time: 2,57
